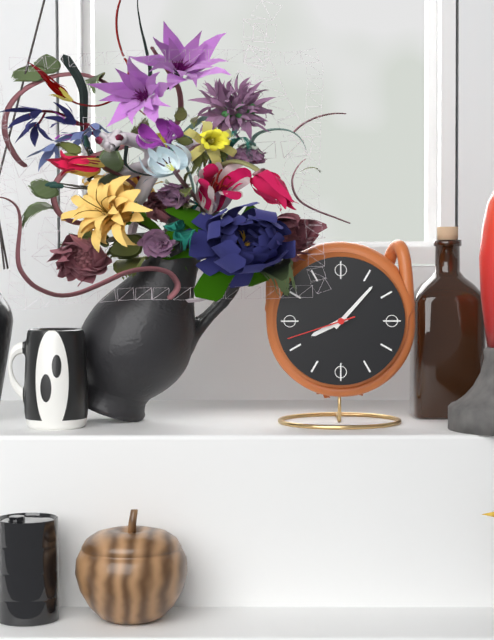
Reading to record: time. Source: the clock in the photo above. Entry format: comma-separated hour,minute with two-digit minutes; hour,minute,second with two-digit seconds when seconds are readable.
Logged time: 8,07,42
